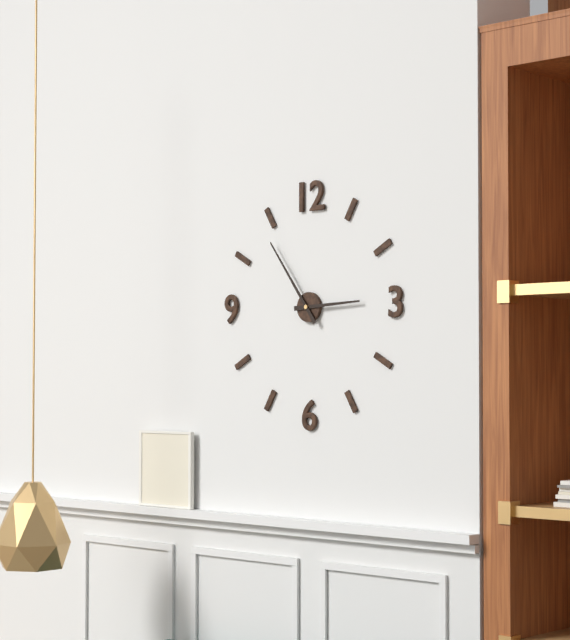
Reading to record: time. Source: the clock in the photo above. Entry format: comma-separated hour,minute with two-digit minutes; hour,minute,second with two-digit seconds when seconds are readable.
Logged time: 2,54
